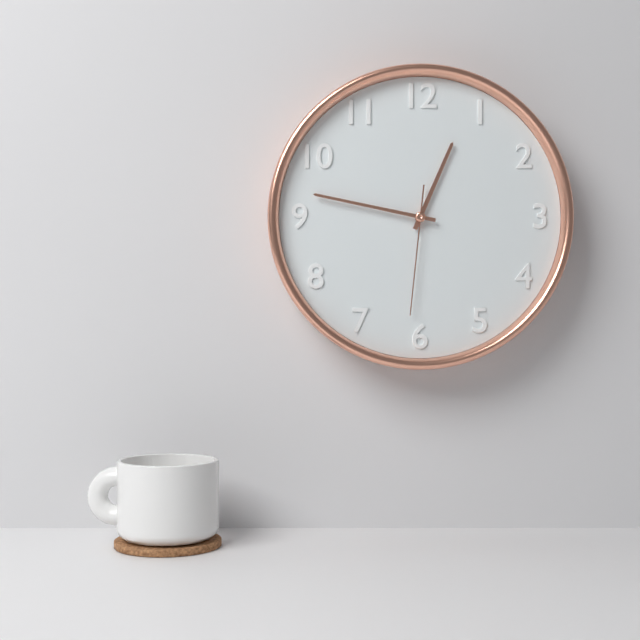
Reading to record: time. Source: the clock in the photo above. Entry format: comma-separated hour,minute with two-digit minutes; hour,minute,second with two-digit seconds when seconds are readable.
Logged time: 12,47,31
